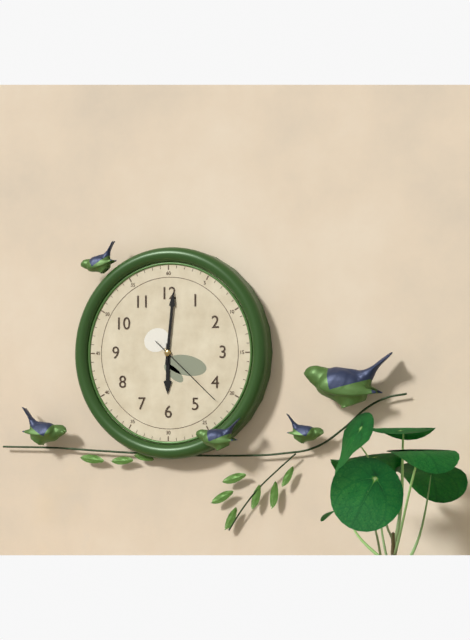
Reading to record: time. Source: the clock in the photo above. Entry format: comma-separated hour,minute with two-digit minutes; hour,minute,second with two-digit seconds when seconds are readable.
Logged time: 6,01,22
